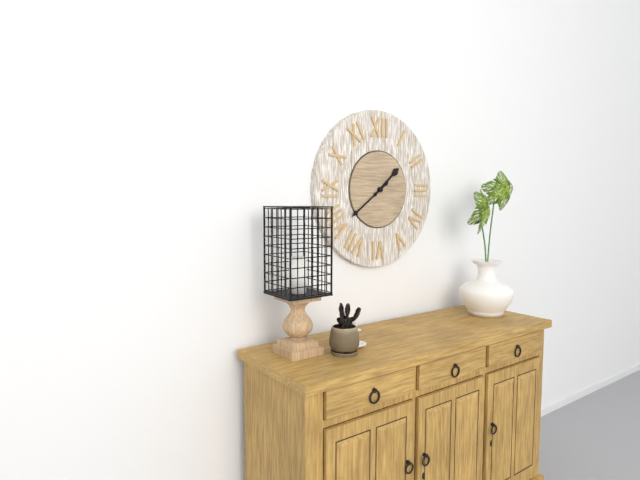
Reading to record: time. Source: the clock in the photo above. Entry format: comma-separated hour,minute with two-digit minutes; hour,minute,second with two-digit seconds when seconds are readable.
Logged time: 1,39
